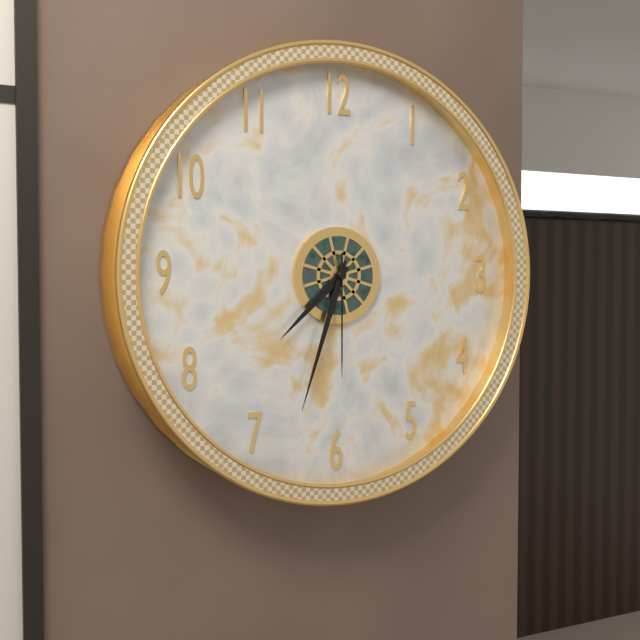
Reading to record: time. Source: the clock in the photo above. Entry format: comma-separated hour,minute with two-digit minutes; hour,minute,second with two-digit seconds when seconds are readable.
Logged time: 7,33,30
